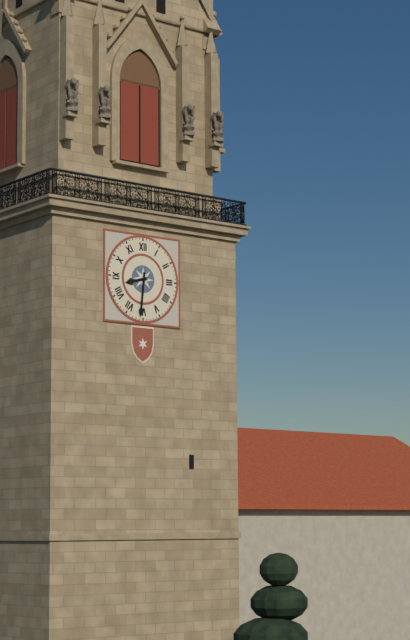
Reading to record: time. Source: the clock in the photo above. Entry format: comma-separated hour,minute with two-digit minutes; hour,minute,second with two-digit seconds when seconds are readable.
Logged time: 8,31
